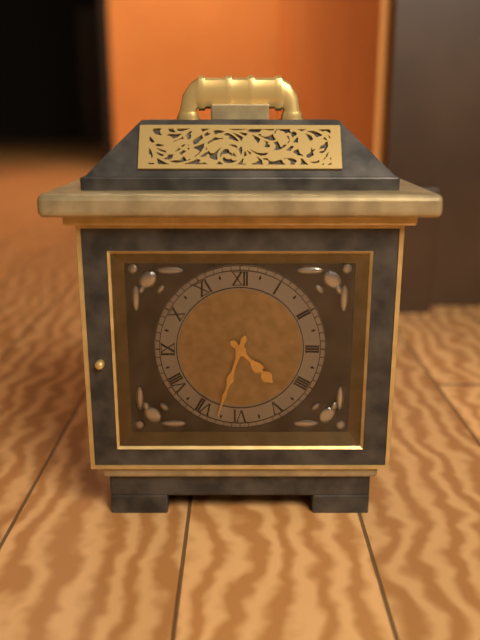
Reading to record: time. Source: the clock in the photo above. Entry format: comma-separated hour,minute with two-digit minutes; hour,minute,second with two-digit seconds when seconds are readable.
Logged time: 4,33
